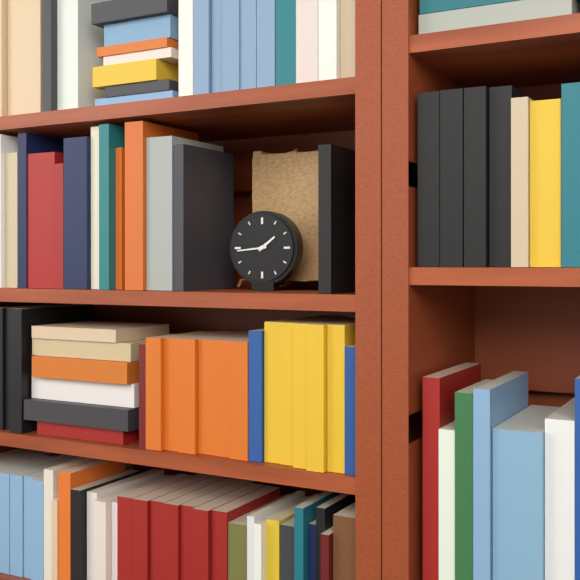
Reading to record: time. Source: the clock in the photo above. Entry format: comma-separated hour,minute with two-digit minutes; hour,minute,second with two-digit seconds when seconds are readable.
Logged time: 1,44
